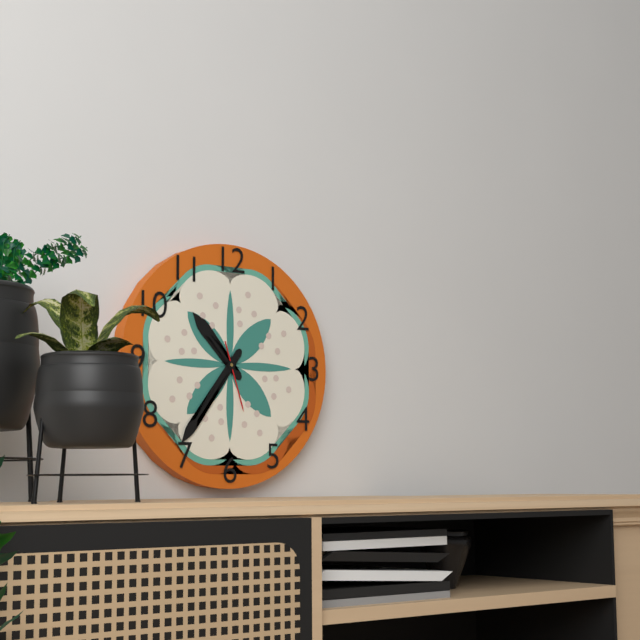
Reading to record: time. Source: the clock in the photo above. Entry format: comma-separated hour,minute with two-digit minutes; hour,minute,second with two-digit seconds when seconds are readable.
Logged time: 10,36,27
